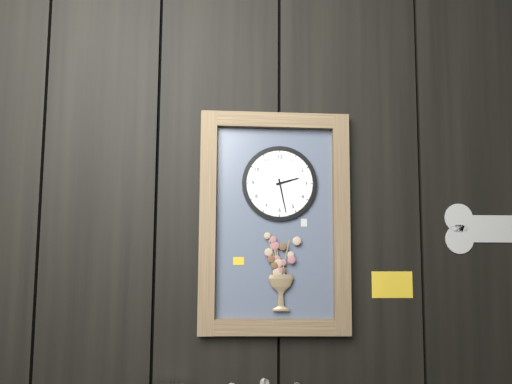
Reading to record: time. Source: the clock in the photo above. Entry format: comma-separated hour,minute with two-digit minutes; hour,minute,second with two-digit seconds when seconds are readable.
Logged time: 2,28
